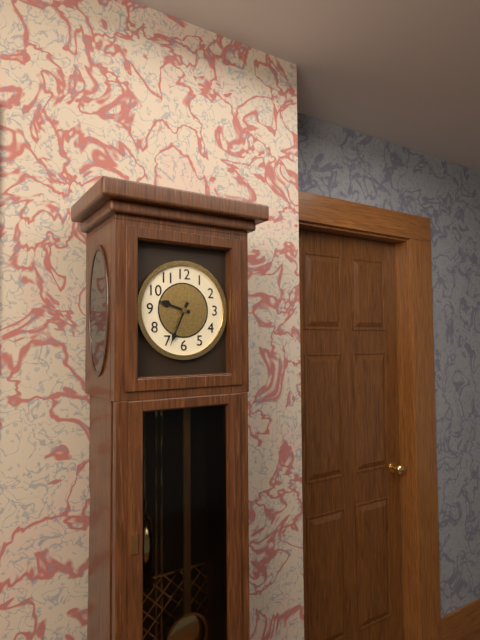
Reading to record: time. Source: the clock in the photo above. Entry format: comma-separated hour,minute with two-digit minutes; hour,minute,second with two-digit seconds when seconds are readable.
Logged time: 9,34
